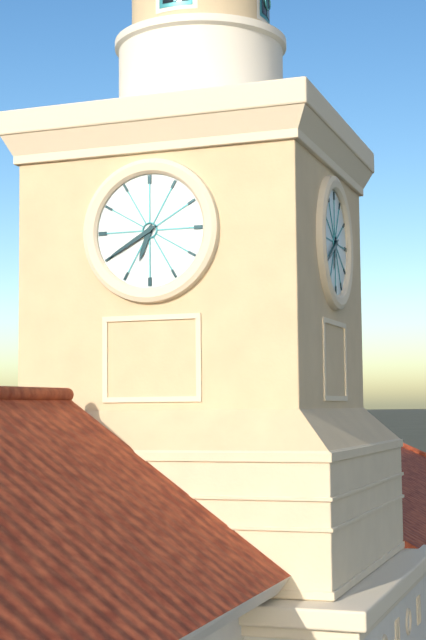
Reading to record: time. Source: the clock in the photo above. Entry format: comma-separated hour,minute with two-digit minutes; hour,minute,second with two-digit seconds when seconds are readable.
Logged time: 6,40
